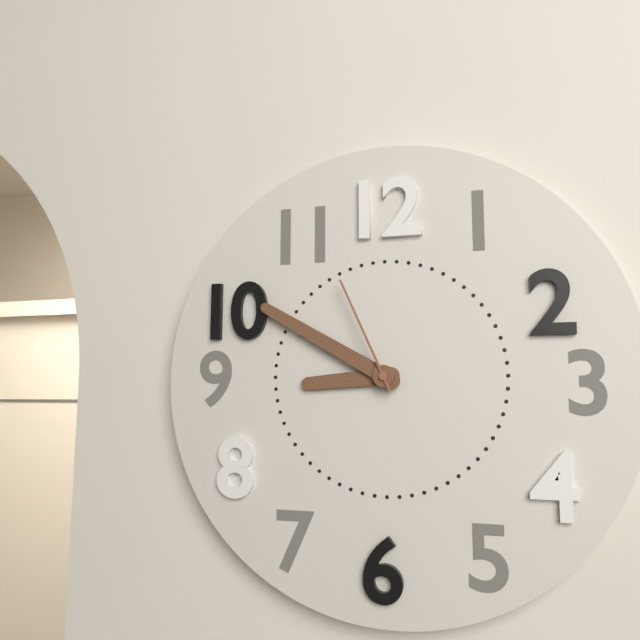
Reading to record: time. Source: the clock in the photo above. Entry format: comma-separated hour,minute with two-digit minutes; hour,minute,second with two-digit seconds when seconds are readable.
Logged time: 8,50,56
